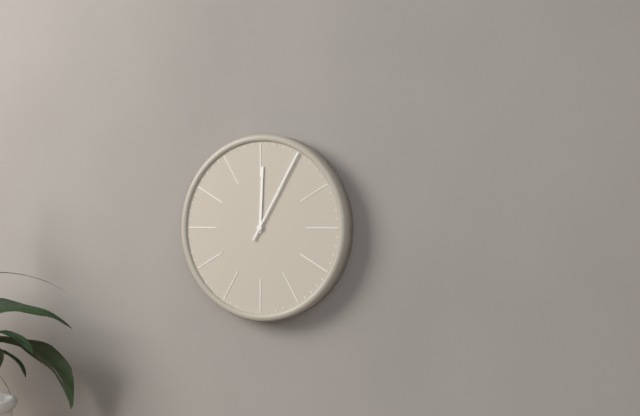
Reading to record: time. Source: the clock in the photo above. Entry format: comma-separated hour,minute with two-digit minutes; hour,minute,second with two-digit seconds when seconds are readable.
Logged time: 12,05
